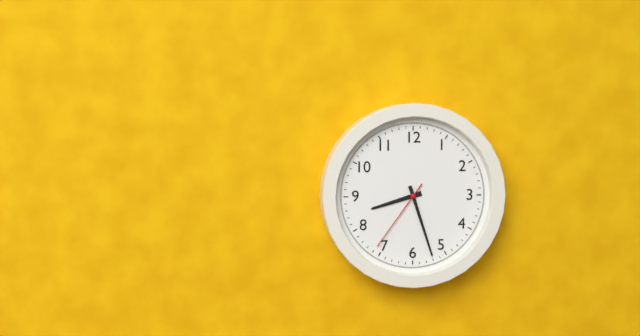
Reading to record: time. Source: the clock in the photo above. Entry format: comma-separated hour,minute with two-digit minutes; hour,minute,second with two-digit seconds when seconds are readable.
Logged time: 8,27,36
